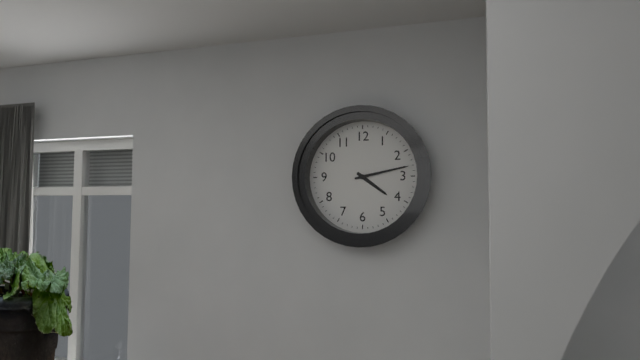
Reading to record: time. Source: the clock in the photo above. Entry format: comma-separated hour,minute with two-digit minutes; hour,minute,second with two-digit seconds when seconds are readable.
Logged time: 4,13
